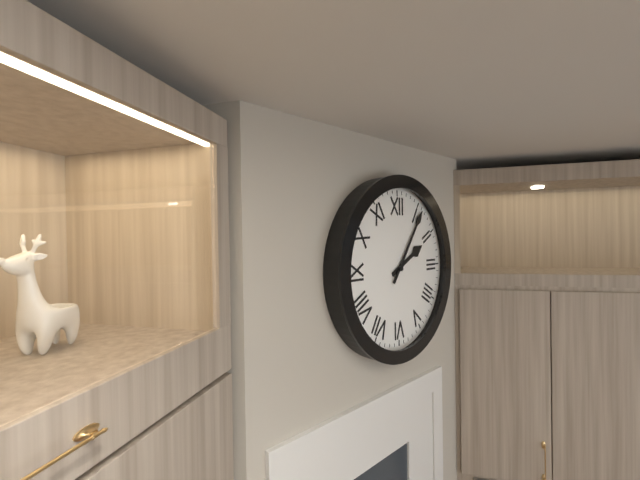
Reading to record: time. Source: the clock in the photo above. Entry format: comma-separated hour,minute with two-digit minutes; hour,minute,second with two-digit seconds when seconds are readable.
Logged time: 2,06
